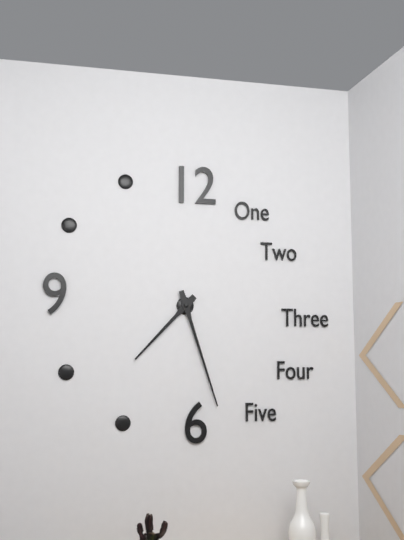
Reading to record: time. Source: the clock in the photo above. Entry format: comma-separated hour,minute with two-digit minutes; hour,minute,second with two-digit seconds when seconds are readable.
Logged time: 7,27
